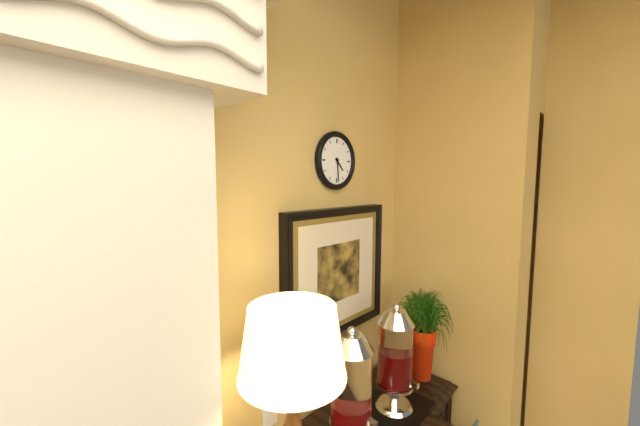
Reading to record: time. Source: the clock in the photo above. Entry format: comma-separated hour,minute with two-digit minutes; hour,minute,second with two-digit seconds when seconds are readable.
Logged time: 4,29
